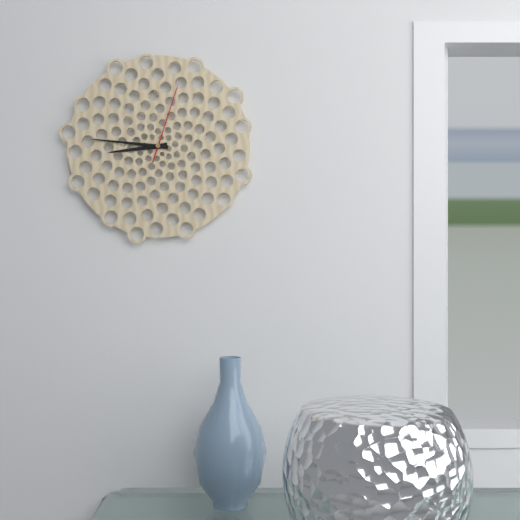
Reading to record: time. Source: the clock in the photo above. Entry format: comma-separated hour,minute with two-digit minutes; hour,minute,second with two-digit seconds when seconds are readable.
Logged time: 8,46,03
